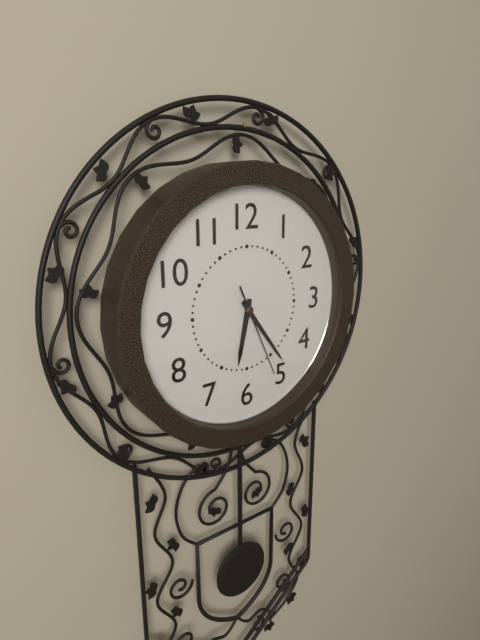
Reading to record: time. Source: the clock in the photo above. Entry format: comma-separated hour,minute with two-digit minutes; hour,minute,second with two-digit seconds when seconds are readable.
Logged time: 6,24,26
